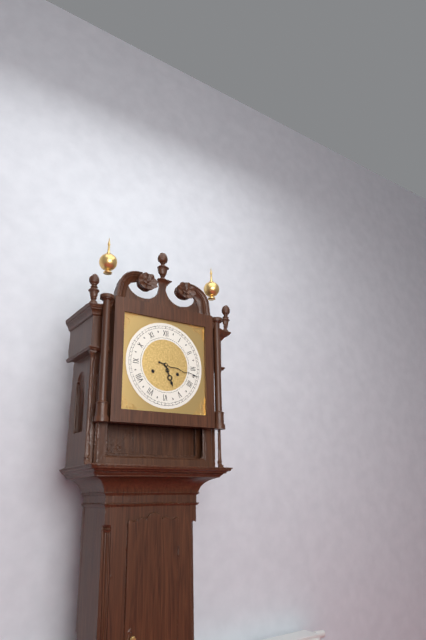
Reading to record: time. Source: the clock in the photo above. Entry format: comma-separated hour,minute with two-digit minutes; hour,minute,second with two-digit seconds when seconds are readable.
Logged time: 5,17
